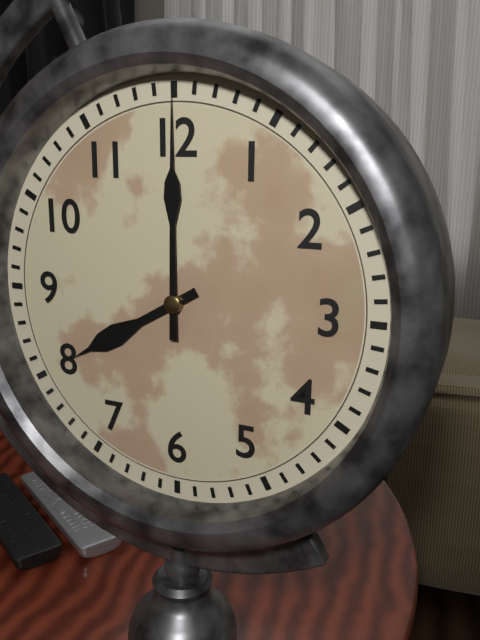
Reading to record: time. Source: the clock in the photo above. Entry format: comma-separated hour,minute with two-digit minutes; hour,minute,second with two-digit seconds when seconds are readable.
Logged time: 8,00
